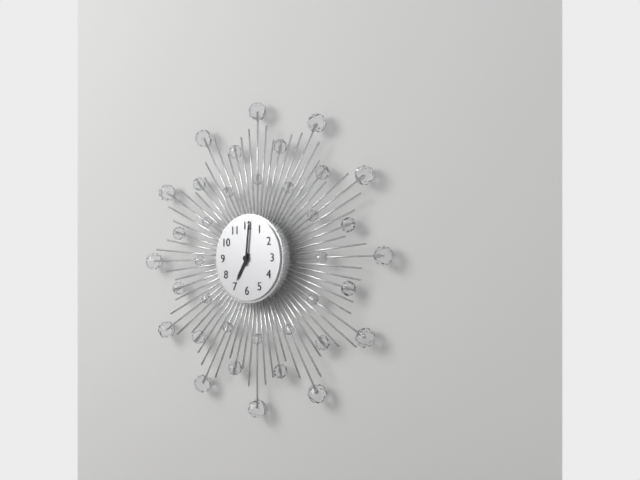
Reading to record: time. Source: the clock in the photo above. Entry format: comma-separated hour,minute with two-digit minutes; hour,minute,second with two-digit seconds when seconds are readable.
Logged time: 7,01
